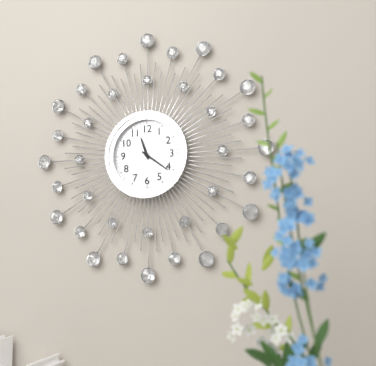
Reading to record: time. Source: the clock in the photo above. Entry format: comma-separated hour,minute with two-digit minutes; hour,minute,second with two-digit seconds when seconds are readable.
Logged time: 11,21
